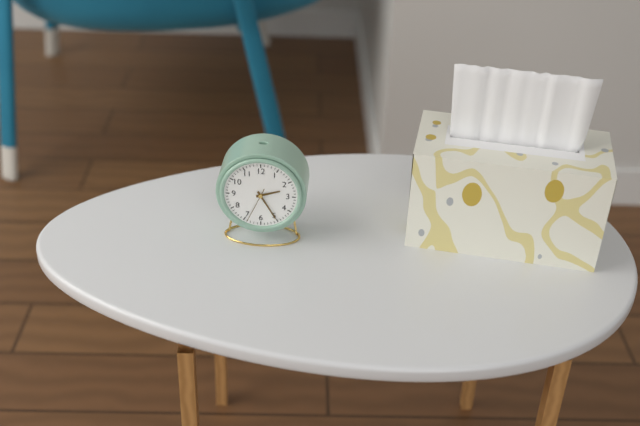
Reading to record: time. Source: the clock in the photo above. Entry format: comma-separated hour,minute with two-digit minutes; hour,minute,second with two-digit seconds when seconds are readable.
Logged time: 2,25
